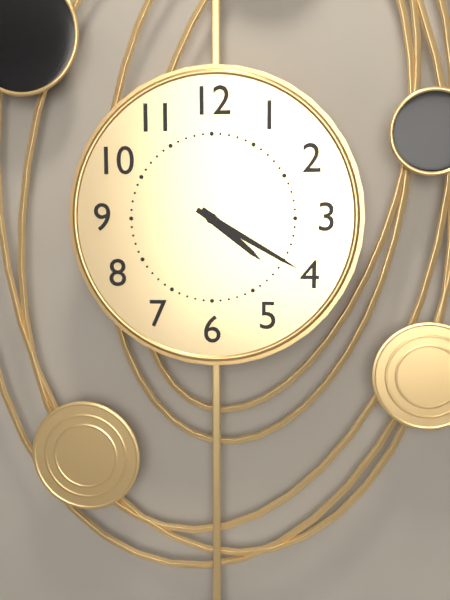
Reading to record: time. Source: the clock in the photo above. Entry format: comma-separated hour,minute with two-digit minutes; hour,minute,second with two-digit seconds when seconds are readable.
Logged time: 4,20
